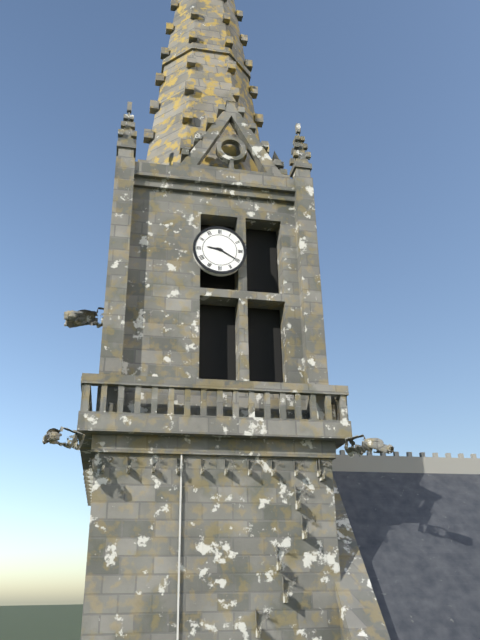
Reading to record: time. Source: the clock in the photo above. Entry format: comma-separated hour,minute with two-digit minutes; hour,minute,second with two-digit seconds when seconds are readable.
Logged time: 9,20
